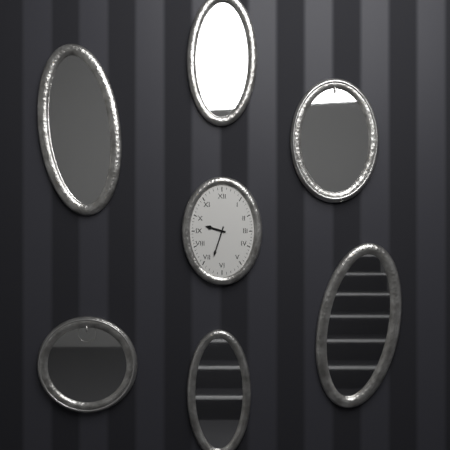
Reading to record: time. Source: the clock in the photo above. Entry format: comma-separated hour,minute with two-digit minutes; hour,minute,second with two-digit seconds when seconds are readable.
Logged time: 9,33
